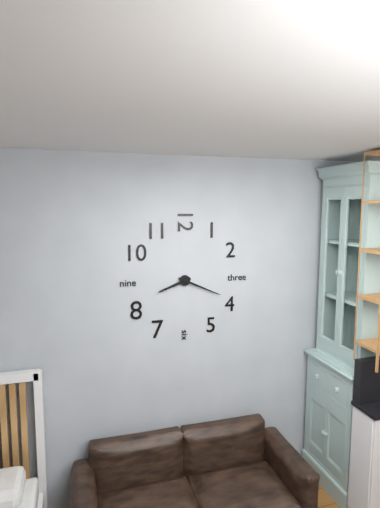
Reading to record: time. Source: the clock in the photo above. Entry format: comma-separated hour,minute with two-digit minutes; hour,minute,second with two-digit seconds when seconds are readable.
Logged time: 8,19
